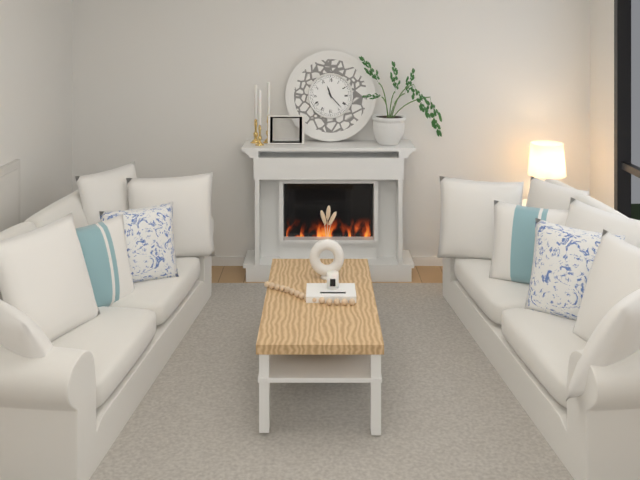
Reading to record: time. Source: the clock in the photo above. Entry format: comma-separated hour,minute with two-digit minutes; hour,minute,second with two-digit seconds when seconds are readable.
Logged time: 11,23
